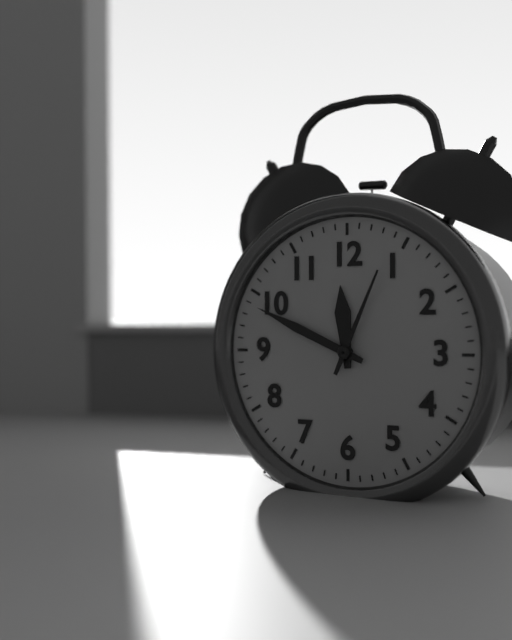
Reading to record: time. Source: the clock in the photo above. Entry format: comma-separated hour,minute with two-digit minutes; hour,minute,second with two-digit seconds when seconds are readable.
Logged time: 11,49,04
